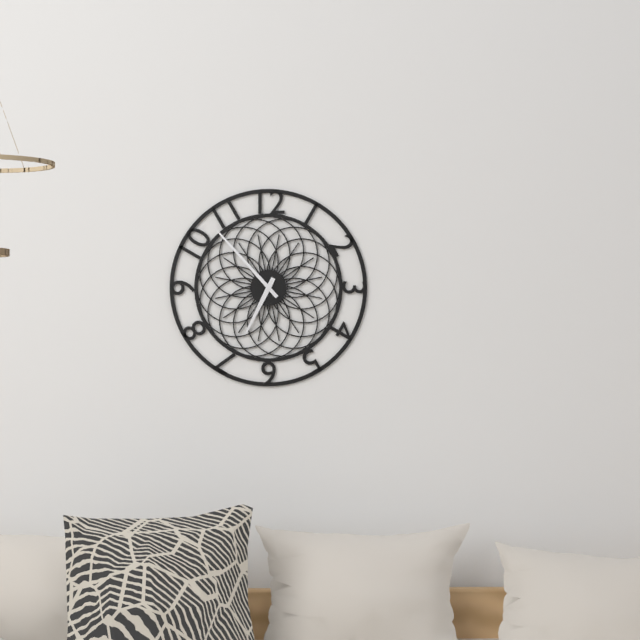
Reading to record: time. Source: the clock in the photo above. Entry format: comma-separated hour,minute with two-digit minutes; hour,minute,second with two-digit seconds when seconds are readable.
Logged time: 6,53
